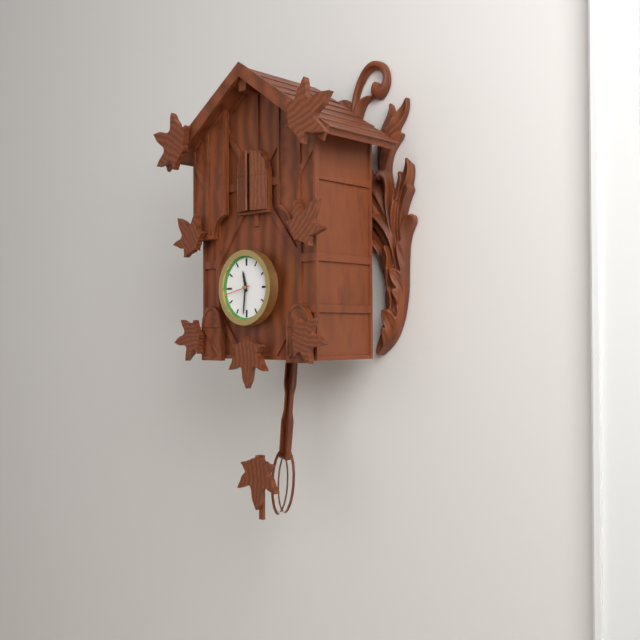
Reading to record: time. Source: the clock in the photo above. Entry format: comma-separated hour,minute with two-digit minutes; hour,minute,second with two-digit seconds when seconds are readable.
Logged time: 11,31
